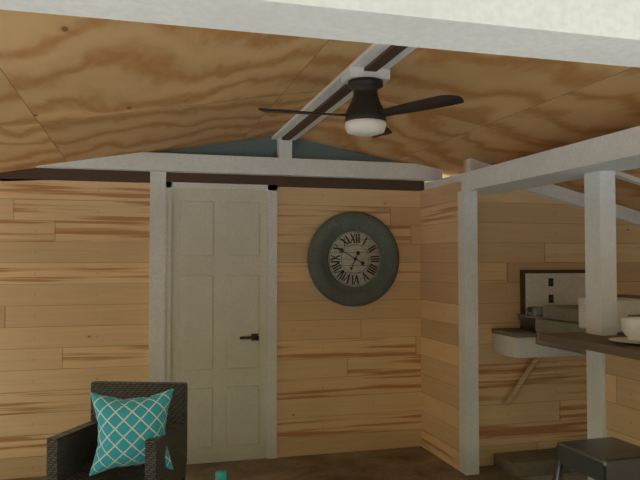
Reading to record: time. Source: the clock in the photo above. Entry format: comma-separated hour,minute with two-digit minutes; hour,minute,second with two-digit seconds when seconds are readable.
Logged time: 6,50
